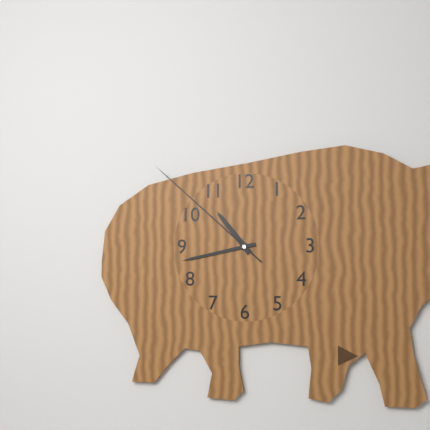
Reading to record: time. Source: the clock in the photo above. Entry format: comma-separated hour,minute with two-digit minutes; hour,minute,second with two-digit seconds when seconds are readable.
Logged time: 10,43,52
